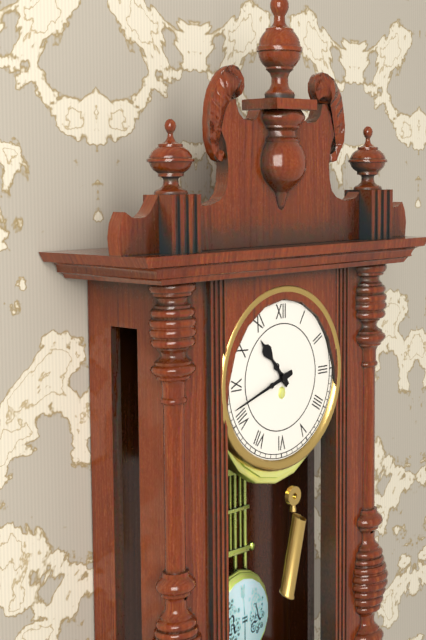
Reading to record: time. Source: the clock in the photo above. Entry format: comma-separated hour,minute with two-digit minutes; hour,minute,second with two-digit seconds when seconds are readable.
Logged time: 10,42
